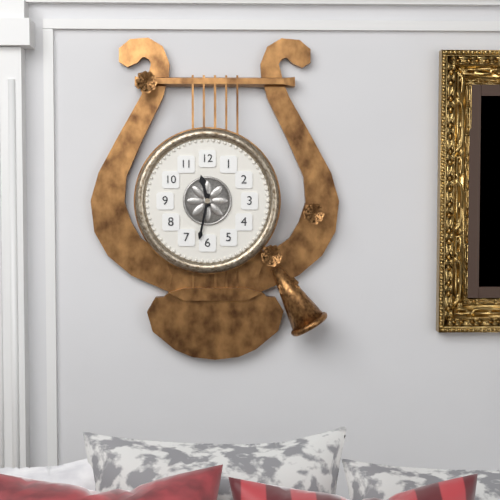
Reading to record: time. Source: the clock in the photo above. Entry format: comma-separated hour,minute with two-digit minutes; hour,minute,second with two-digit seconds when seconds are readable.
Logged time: 11,32
